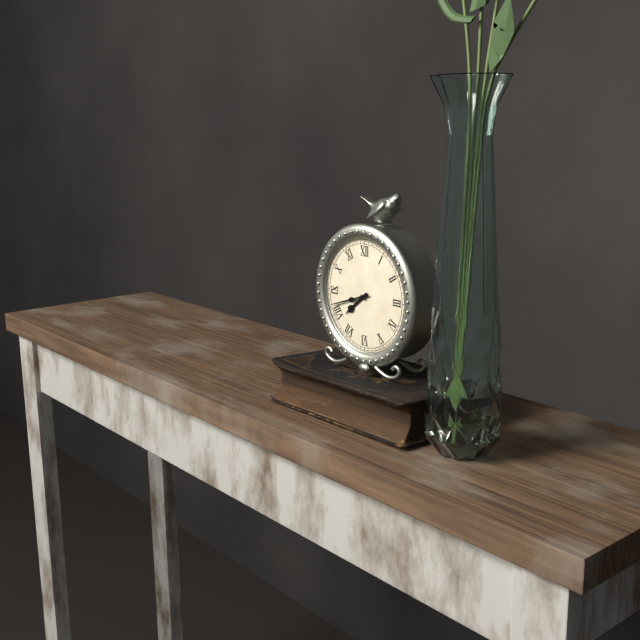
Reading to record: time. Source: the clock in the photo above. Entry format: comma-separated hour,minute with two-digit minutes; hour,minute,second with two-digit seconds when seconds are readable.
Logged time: 7,42
